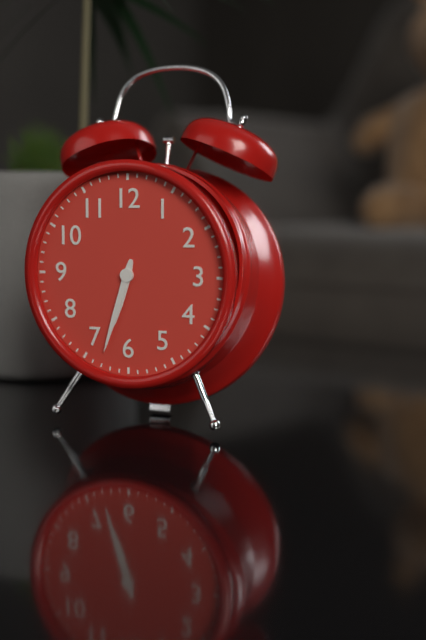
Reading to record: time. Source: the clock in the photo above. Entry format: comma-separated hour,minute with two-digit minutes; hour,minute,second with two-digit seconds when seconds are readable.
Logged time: 6,33
